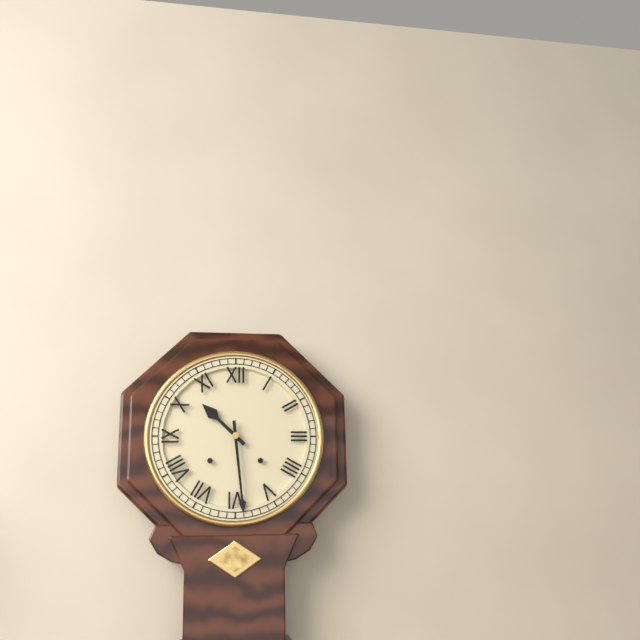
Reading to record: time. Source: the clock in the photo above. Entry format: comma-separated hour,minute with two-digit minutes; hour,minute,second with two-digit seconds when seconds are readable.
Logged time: 10,29
